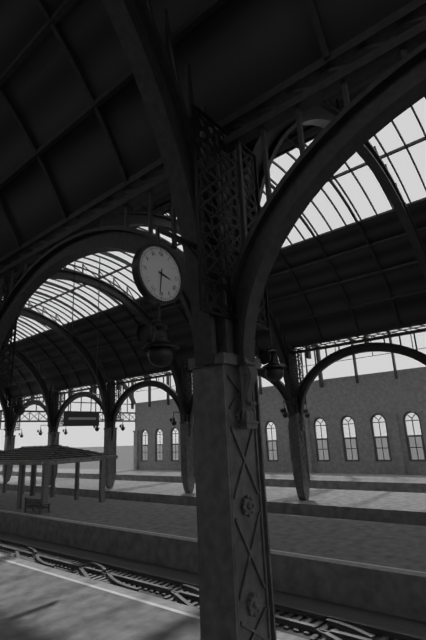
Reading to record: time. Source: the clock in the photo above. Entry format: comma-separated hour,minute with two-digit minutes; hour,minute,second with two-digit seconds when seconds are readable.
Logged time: 3,31
